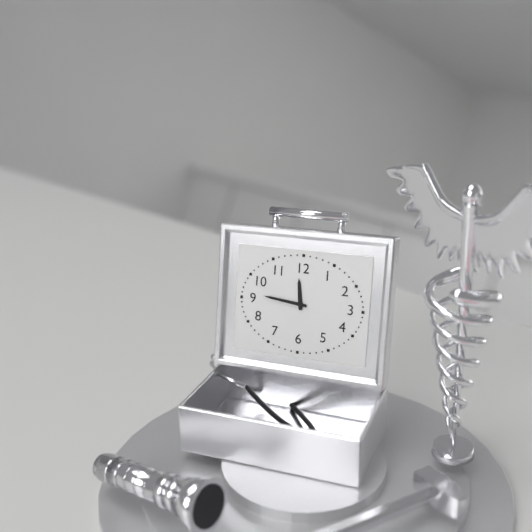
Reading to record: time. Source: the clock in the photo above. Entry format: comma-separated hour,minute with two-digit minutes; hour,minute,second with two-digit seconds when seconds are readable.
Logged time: 11,46
